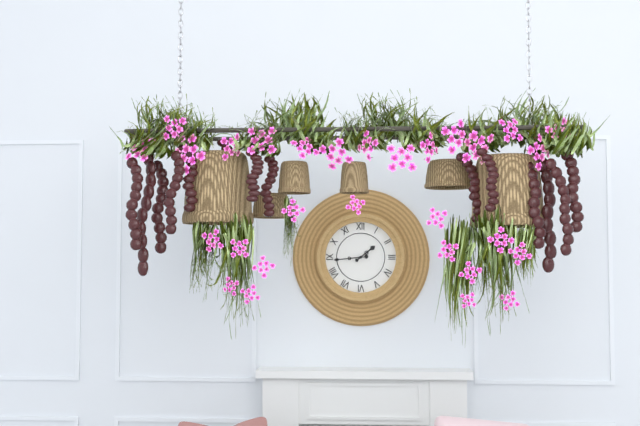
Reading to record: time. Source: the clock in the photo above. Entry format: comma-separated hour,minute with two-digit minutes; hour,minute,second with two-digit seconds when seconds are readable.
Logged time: 1,44
